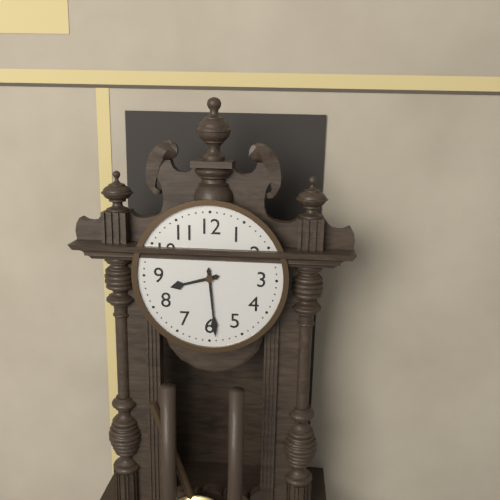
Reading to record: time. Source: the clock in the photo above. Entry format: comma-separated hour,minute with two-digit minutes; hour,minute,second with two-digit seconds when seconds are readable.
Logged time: 8,29
